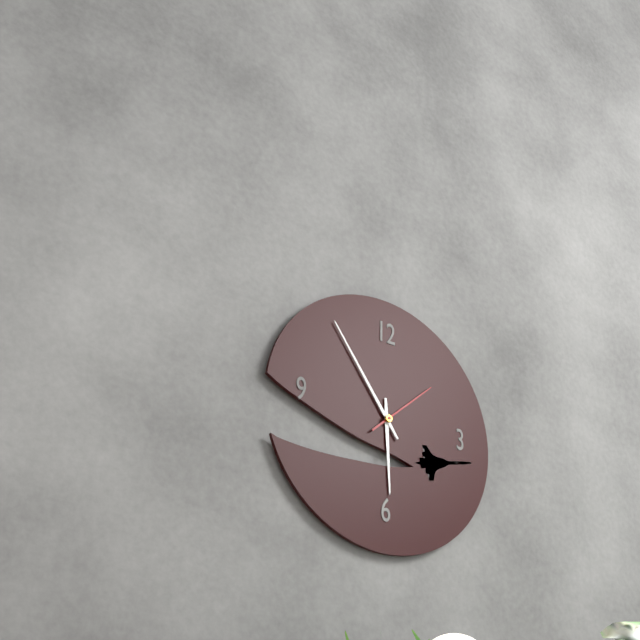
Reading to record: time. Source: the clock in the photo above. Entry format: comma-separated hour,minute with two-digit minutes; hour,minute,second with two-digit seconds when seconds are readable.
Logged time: 5,54,08
